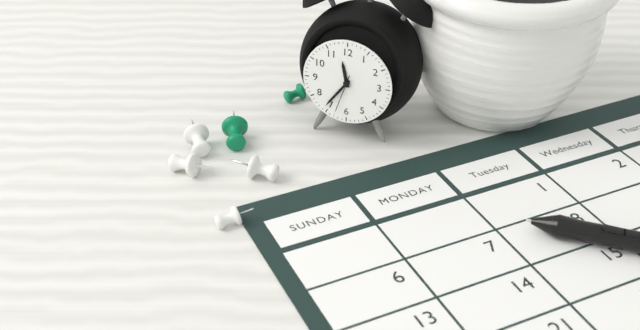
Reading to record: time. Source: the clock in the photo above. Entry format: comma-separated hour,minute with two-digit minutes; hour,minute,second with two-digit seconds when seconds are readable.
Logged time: 11,36
